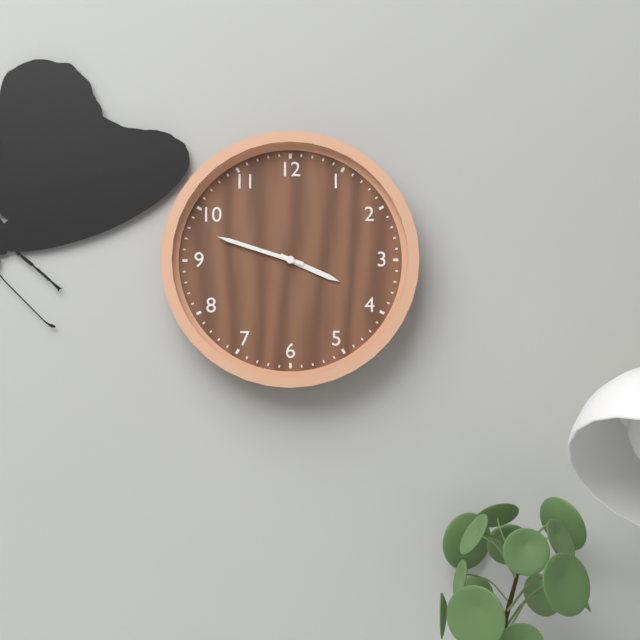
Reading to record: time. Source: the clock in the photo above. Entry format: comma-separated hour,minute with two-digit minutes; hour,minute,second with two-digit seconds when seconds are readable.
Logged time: 3,48
